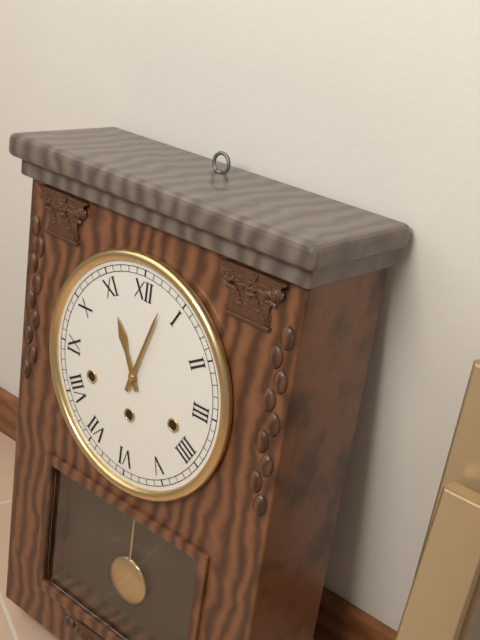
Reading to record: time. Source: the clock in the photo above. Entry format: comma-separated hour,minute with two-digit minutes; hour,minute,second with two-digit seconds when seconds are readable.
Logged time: 11,03
